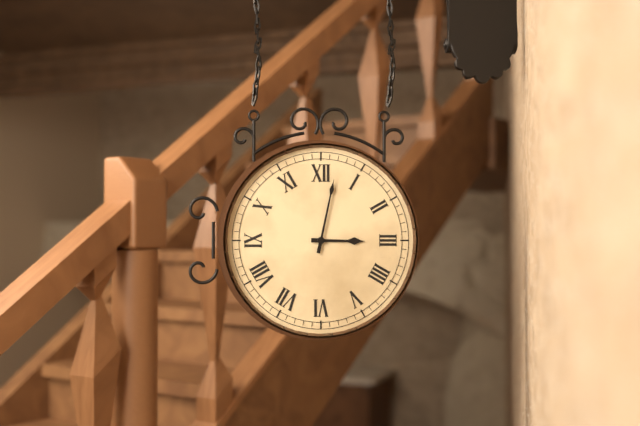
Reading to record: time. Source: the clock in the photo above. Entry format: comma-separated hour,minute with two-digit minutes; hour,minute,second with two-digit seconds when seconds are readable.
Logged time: 3,02
